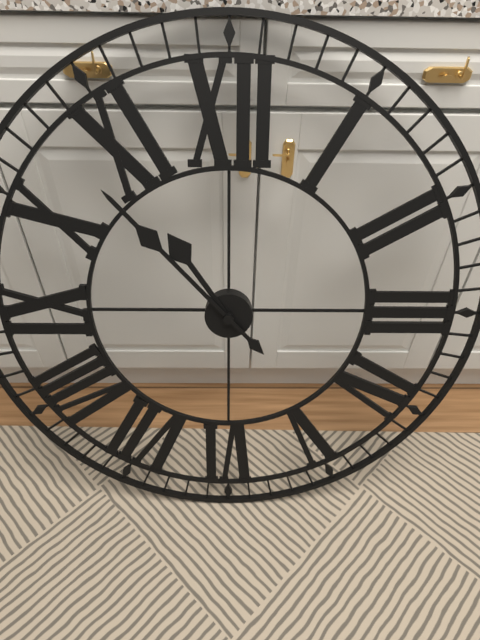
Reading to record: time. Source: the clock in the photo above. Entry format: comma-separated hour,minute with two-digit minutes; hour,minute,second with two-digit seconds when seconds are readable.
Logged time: 10,53
